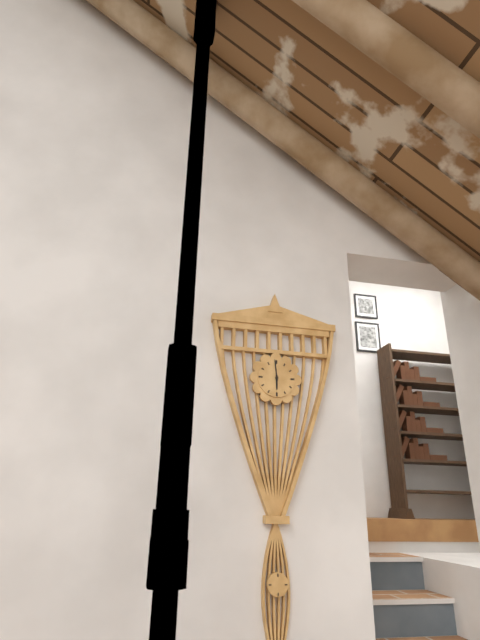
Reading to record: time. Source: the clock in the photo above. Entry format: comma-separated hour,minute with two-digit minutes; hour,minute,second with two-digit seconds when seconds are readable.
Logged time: 5,59
